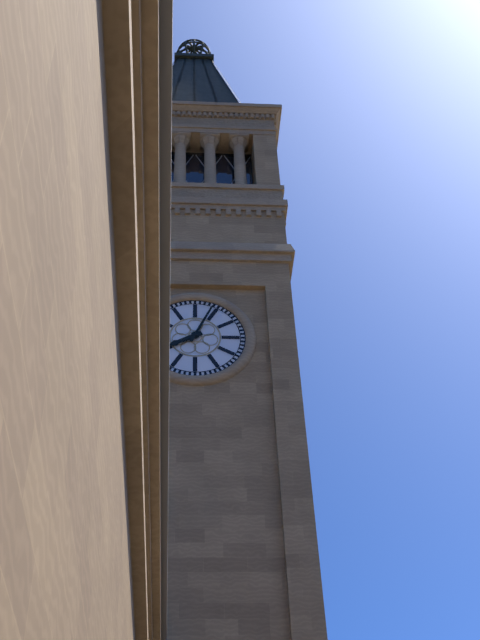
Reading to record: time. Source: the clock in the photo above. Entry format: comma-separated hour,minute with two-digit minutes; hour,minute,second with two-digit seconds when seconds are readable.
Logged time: 8,04
